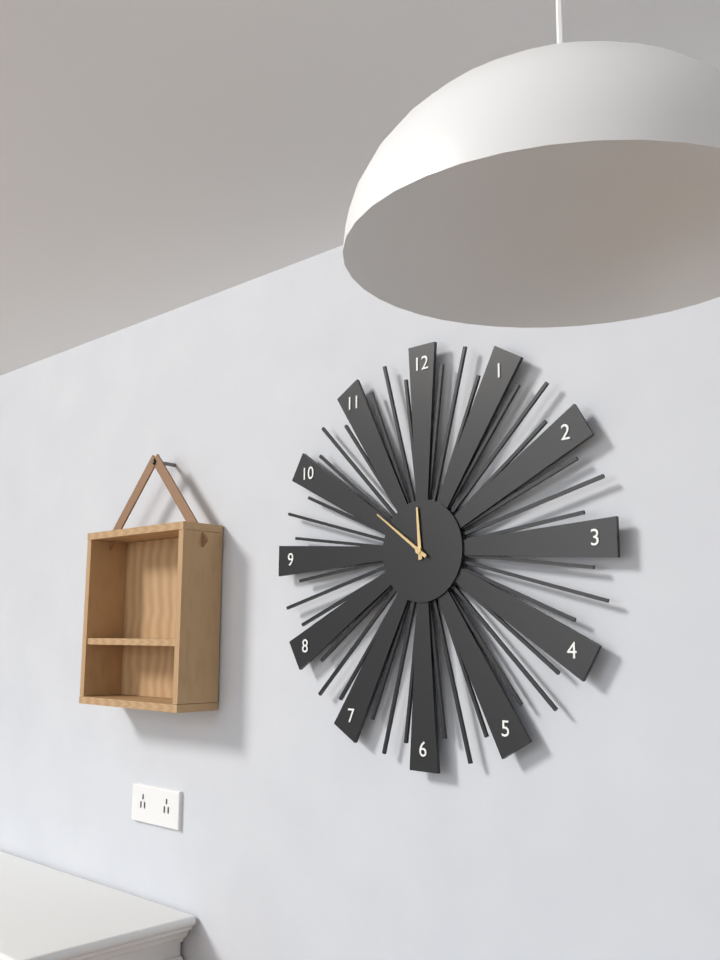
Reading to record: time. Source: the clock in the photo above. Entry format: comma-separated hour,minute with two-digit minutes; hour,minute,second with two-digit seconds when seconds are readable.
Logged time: 11,51
